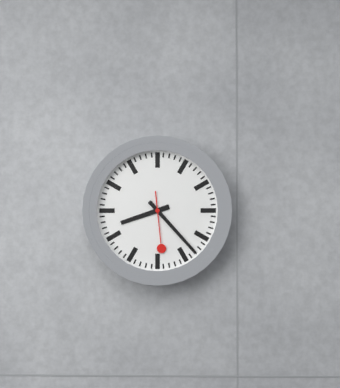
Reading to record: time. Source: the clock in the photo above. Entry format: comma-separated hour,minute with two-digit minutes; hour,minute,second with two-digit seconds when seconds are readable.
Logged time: 8,23,29
